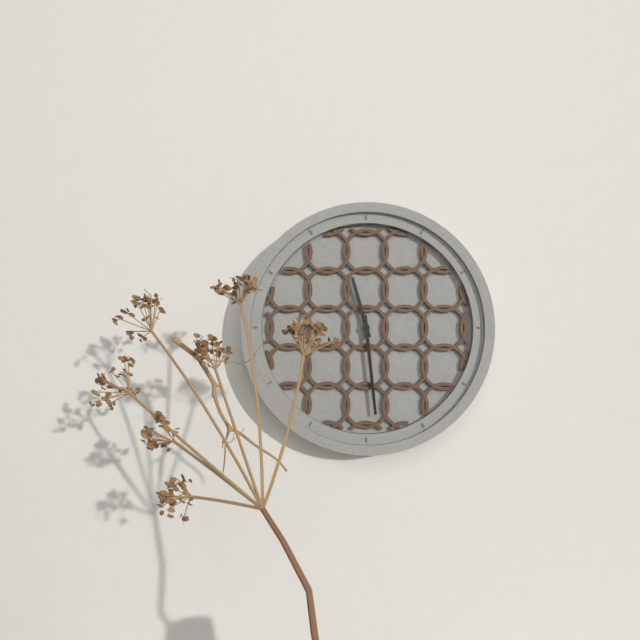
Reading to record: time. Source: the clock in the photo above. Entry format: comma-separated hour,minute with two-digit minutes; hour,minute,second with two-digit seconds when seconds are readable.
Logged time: 11,29
